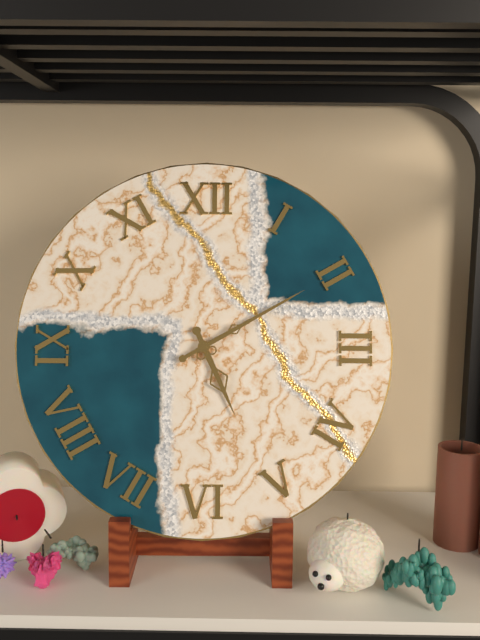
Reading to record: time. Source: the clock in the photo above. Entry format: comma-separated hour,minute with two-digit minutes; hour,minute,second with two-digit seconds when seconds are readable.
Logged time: 5,10
